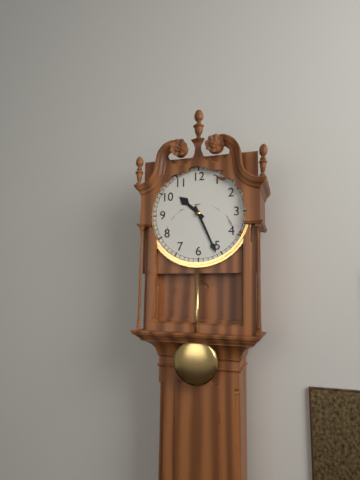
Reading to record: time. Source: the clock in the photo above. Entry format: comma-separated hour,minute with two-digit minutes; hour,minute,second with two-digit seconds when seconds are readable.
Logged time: 10,26
